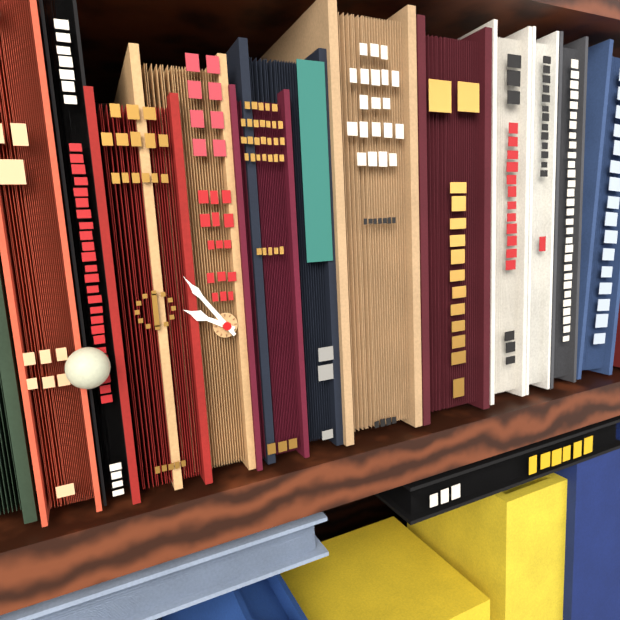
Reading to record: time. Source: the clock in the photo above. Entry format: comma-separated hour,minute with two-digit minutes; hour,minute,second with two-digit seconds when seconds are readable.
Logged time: 9,54
